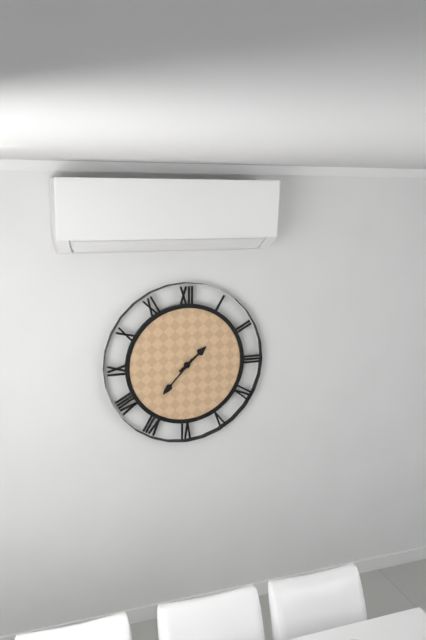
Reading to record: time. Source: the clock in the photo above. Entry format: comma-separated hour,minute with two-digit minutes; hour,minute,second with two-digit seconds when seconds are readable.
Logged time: 1,37
